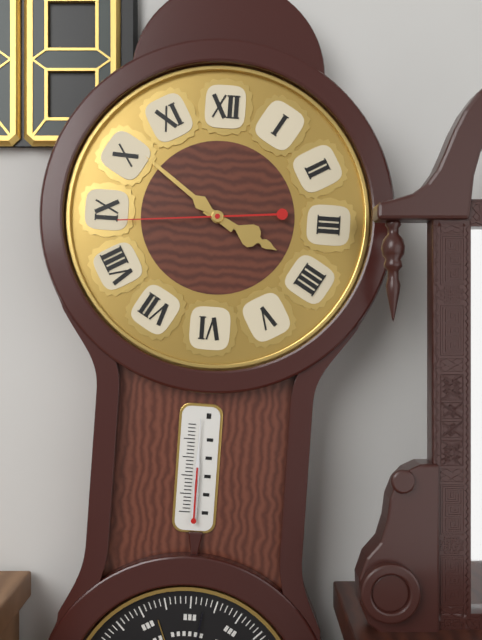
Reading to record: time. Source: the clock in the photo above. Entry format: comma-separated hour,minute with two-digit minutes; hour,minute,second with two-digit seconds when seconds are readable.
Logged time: 3,51,44
